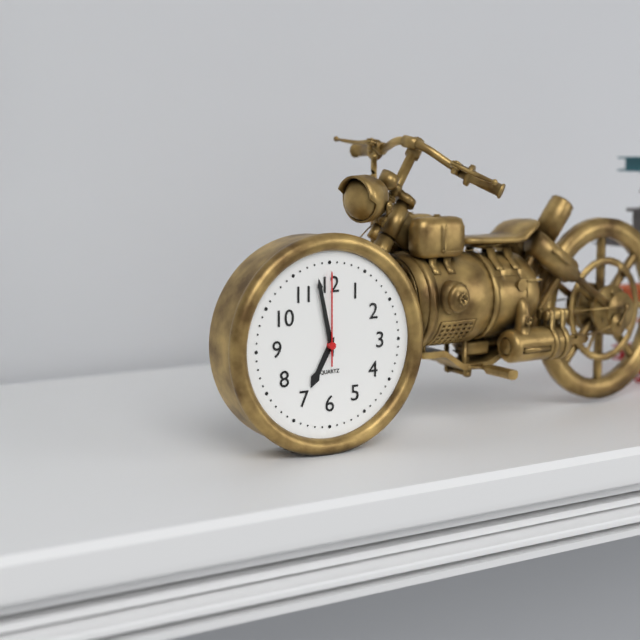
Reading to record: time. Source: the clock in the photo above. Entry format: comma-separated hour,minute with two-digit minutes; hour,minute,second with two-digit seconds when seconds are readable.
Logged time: 6,58,00
